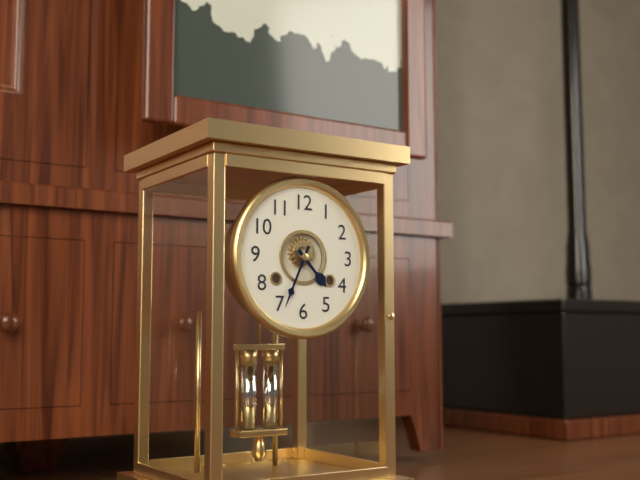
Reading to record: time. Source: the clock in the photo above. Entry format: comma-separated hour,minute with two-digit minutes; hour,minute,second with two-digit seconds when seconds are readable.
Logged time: 4,34
